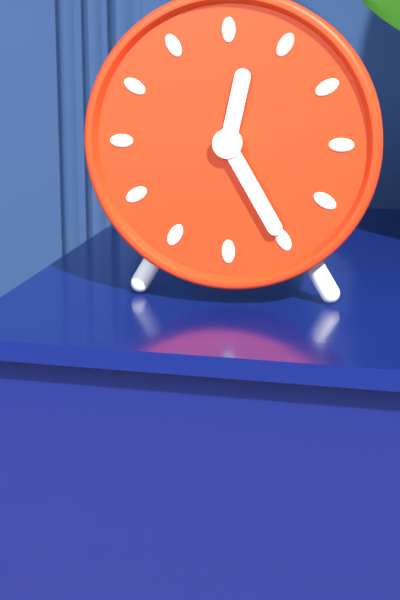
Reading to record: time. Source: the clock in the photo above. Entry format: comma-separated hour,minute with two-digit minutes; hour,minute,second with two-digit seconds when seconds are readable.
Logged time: 12,25
